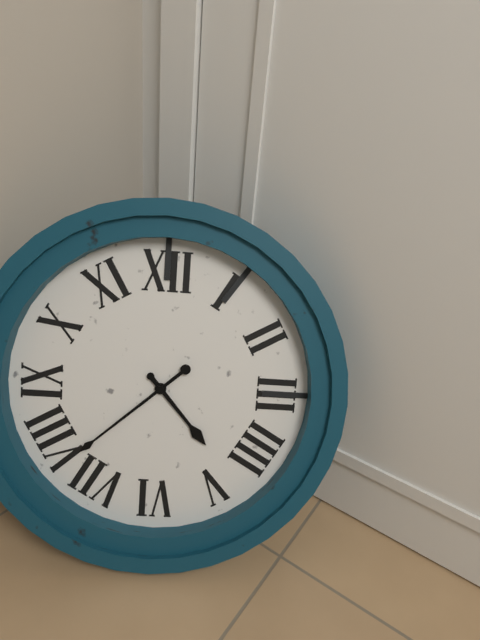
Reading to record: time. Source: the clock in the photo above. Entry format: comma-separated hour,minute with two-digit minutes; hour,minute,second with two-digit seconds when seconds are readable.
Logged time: 4,38
